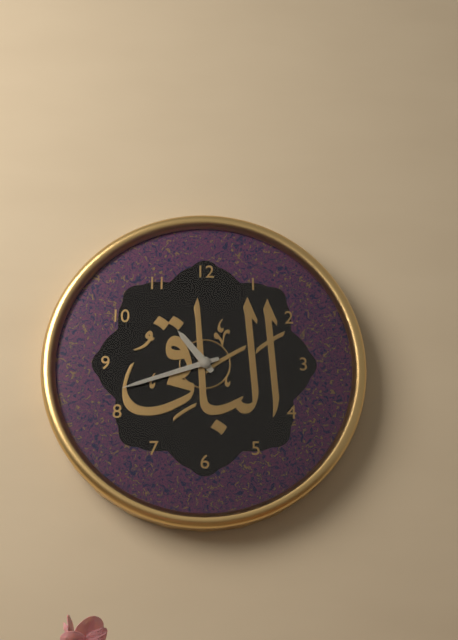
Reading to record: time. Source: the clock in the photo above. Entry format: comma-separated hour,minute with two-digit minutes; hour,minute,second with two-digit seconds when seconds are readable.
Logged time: 10,42
